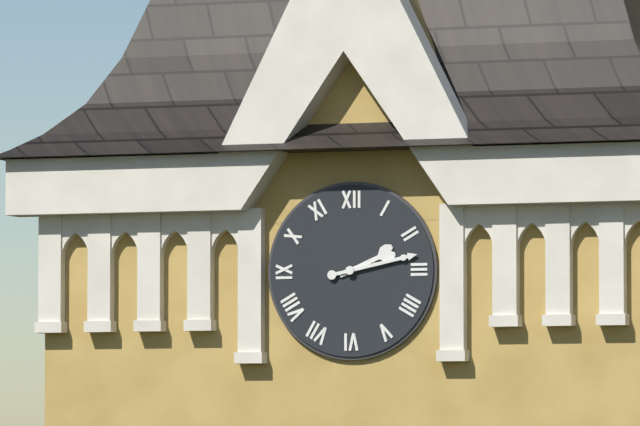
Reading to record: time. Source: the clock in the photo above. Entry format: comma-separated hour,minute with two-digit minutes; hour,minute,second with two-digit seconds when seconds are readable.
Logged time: 2,13
